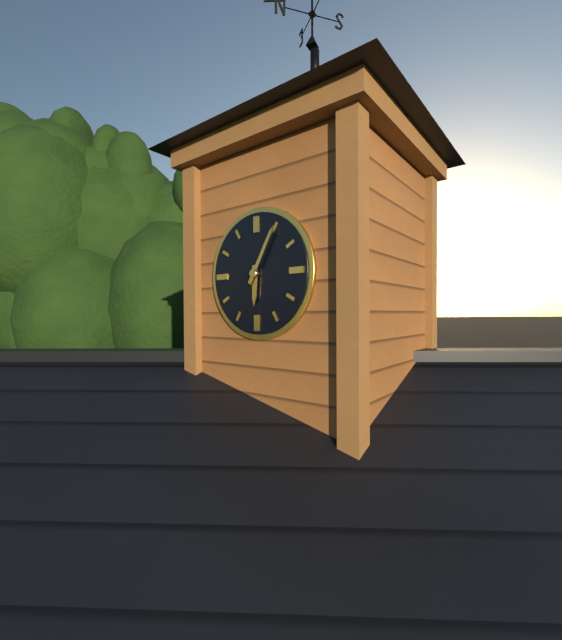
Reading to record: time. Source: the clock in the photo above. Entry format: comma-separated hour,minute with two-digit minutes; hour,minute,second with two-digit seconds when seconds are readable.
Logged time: 6,05
